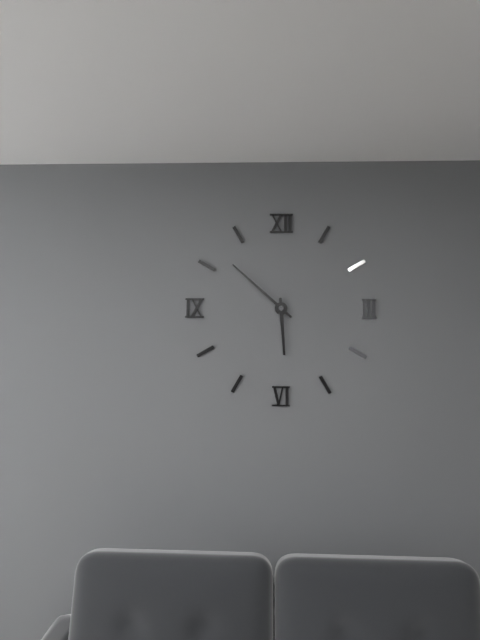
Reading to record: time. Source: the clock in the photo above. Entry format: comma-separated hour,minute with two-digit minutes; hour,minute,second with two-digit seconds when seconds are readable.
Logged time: 5,52
